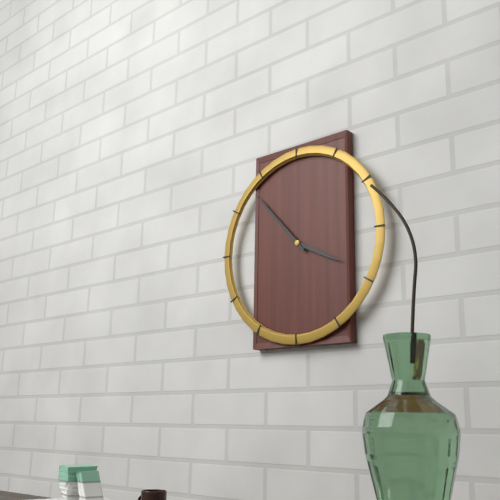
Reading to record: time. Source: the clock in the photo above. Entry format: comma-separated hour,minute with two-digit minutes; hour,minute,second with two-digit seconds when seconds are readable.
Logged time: 3,53
